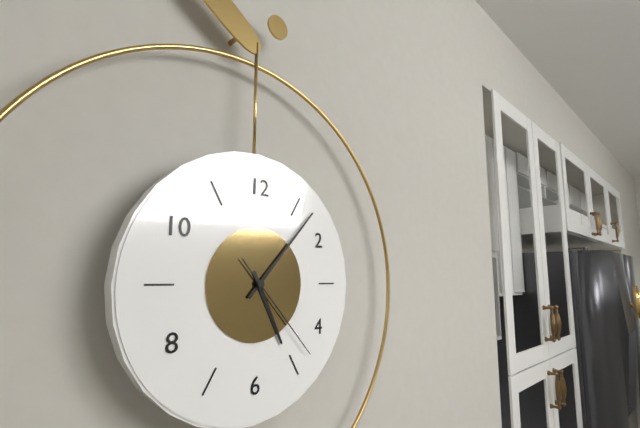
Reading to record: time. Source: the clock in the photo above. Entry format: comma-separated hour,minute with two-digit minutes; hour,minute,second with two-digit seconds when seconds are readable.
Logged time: 5,07,23
